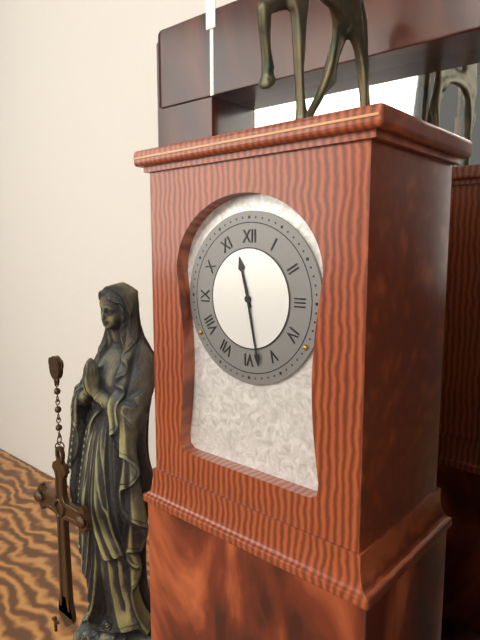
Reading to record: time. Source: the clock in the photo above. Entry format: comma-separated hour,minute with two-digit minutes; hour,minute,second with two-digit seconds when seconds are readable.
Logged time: 11,28
